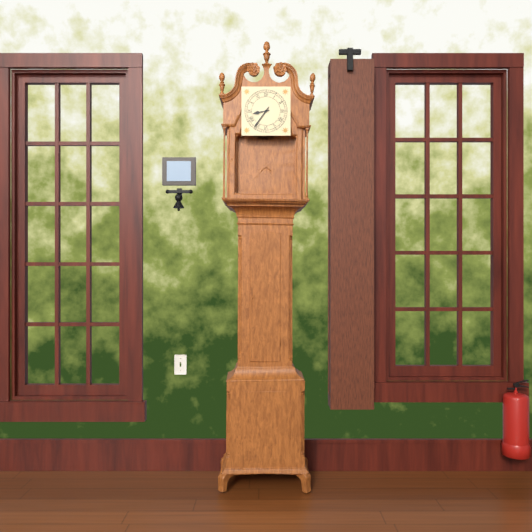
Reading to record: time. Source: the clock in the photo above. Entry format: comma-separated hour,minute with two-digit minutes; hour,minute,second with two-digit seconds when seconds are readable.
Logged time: 8,36
